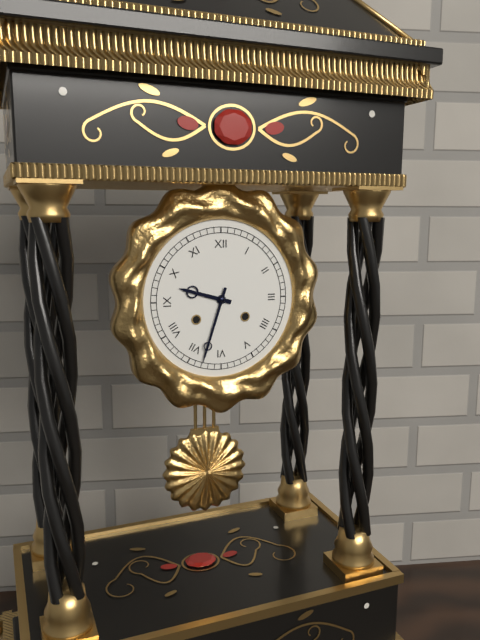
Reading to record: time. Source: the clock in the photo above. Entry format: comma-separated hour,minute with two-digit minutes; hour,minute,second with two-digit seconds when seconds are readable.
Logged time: 9,33
